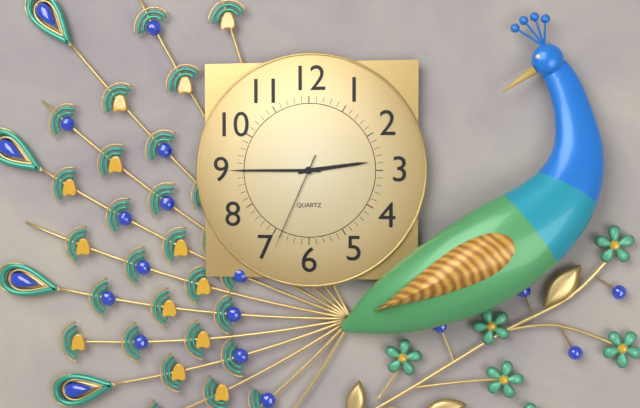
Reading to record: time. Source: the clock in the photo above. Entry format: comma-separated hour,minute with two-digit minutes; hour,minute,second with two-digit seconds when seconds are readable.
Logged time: 2,45,34
